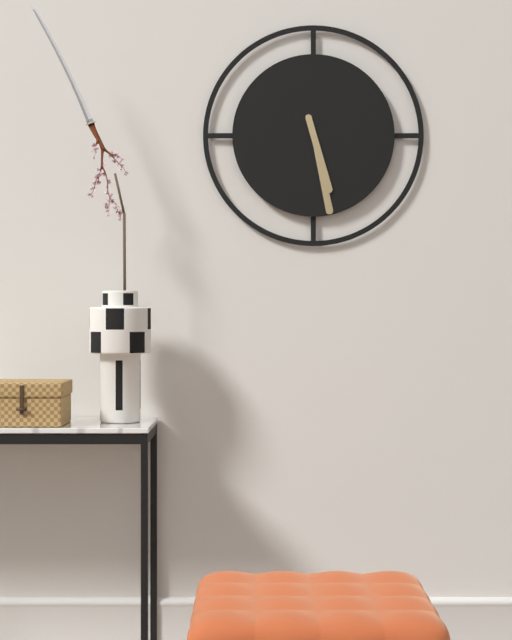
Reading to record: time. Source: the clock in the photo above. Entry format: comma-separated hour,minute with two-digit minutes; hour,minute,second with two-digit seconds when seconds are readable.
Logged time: 5,28
